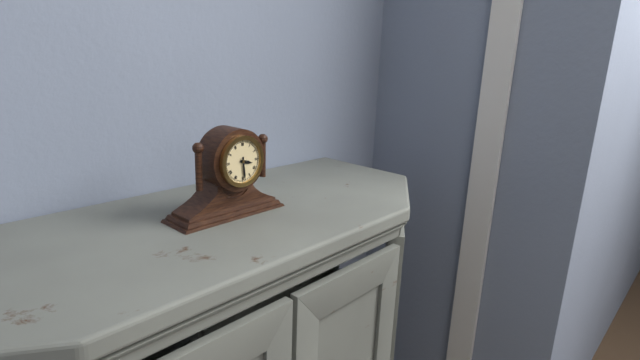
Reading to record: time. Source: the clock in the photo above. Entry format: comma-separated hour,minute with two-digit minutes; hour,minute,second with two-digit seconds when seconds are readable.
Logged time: 3,29
